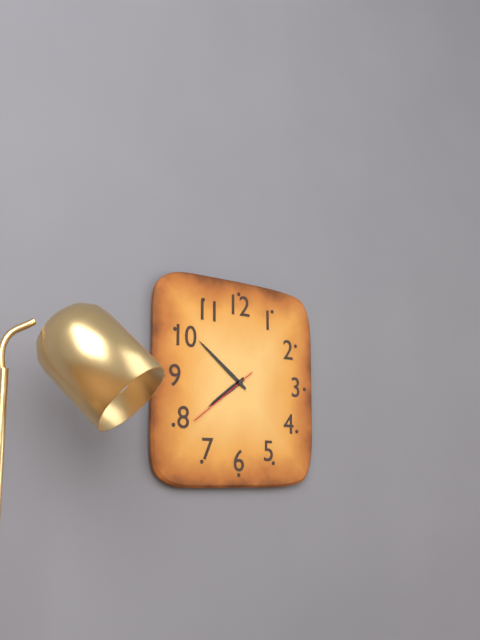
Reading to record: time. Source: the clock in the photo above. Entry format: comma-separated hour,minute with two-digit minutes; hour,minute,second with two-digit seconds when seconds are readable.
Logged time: 7,51,39
